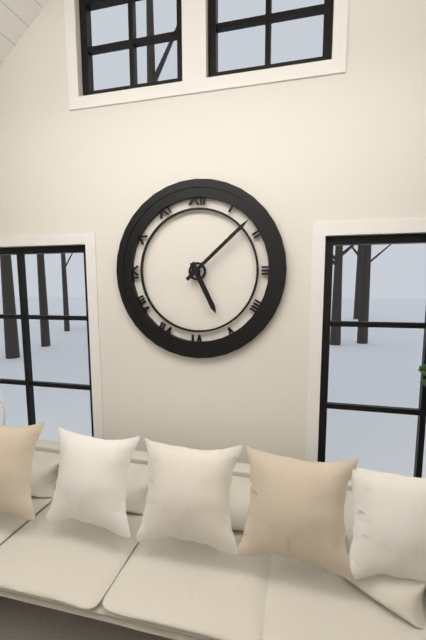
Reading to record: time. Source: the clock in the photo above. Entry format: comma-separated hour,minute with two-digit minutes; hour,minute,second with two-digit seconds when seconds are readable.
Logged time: 5,08
